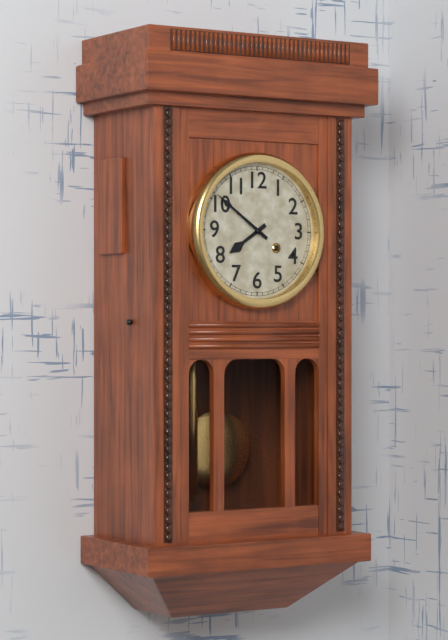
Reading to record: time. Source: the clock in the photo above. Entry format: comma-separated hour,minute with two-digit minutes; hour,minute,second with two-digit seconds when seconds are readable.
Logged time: 7,51
